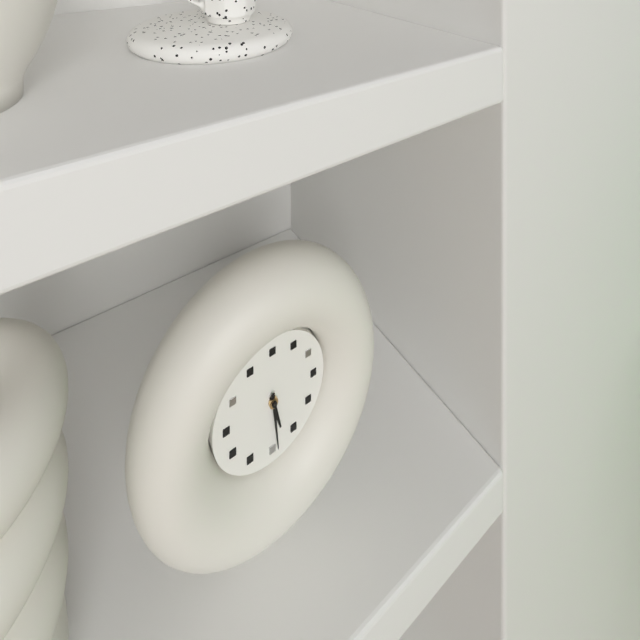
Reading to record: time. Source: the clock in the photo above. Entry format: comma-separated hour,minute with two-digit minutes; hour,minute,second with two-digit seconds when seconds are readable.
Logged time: 5,29
